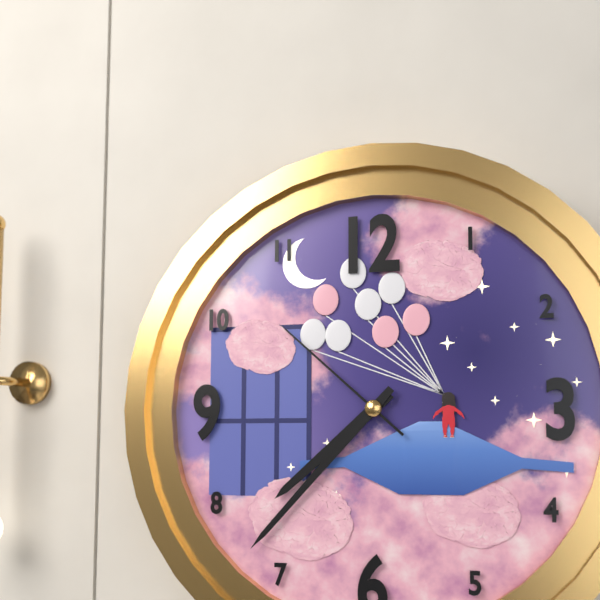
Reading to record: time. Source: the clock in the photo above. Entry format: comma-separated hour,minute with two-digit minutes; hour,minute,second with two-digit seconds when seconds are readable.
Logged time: 7,37,52
